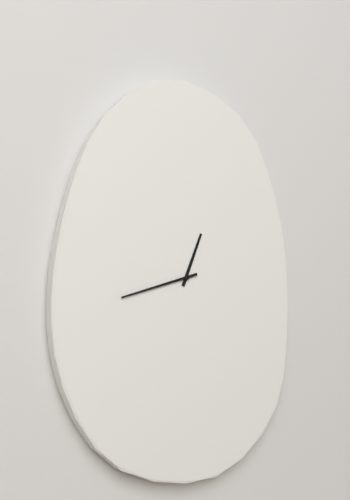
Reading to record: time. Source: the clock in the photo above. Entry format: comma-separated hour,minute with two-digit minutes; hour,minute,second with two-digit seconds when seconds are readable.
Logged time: 12,42
